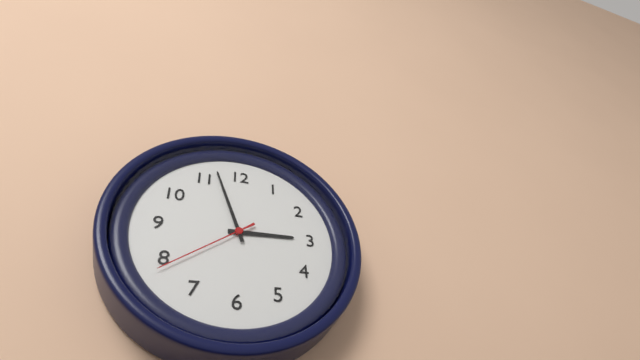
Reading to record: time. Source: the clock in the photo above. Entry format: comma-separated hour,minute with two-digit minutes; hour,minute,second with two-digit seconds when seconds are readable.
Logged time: 2,57,39
